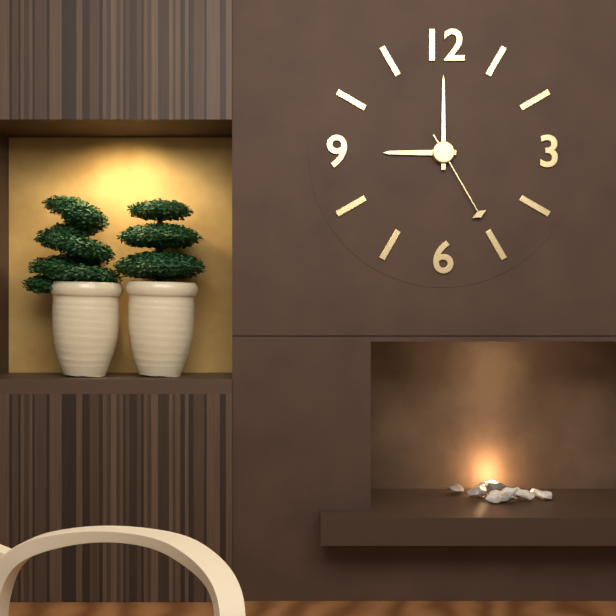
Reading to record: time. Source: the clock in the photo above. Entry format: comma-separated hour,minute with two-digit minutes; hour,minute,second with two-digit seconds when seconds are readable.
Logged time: 9,00,25
